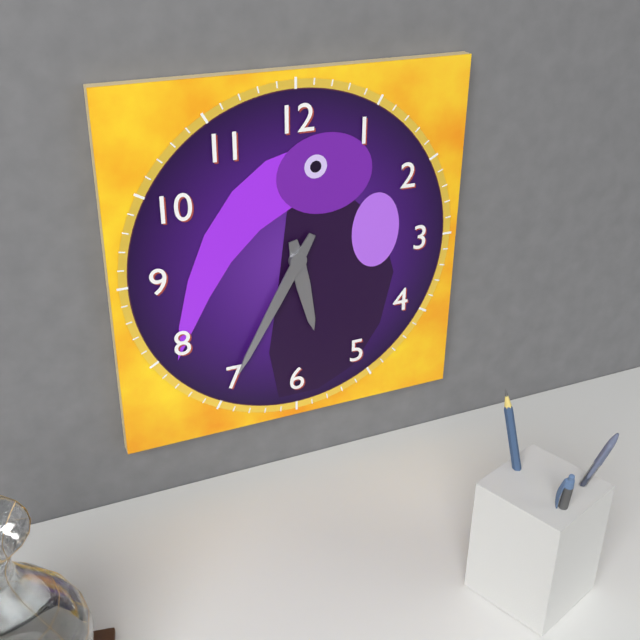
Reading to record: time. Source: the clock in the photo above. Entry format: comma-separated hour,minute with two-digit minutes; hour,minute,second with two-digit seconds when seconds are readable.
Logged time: 5,35
